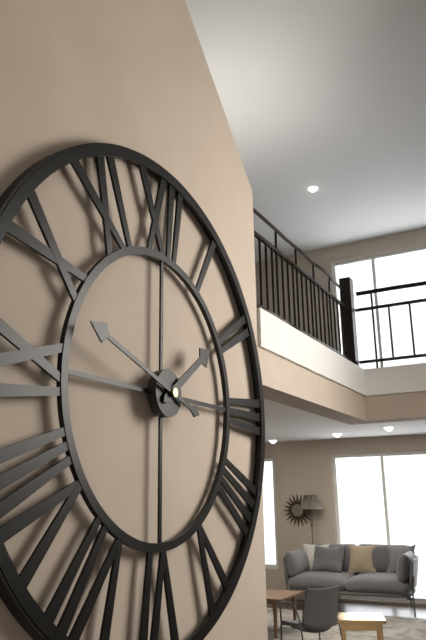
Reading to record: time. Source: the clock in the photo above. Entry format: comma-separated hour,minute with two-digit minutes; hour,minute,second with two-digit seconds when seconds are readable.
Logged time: 1,48
